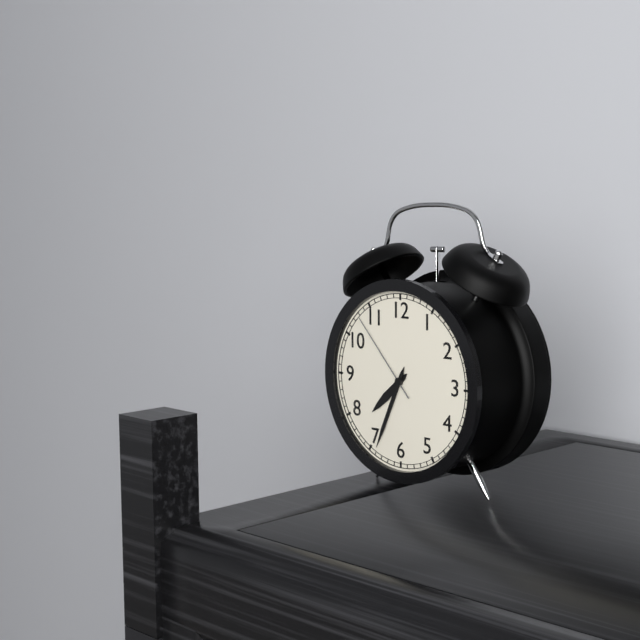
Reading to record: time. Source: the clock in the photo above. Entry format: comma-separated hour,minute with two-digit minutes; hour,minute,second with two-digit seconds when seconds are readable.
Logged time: 7,34,53
